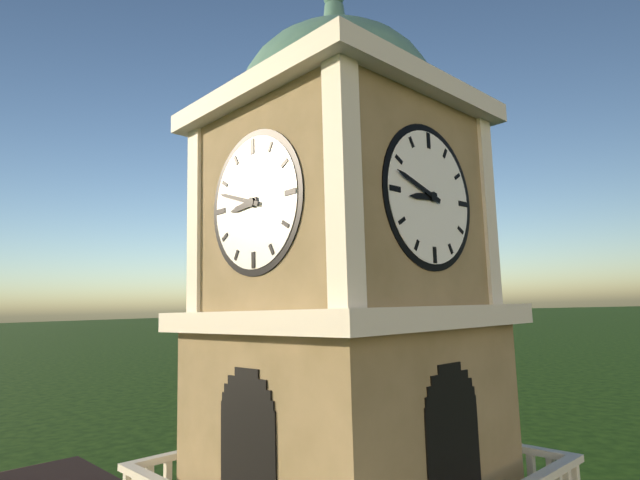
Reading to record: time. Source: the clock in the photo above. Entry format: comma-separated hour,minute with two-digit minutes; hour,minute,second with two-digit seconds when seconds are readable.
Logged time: 8,48
